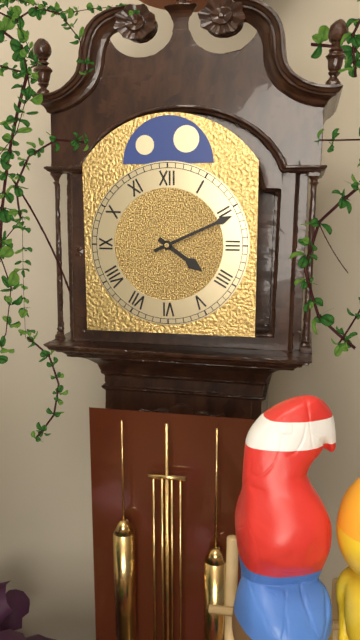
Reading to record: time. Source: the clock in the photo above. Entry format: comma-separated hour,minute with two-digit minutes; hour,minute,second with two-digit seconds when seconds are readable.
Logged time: 4,11
